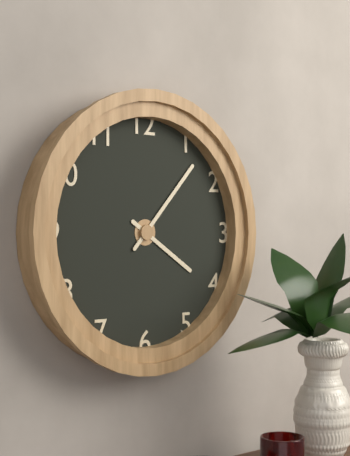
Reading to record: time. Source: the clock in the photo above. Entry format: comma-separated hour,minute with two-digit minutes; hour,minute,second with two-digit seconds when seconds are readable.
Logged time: 4,07
